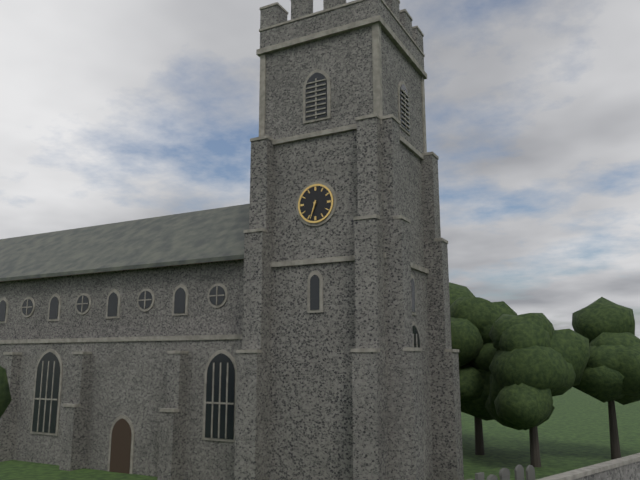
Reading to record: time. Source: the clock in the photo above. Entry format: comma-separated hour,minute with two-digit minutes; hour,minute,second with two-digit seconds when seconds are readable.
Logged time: 6,33
